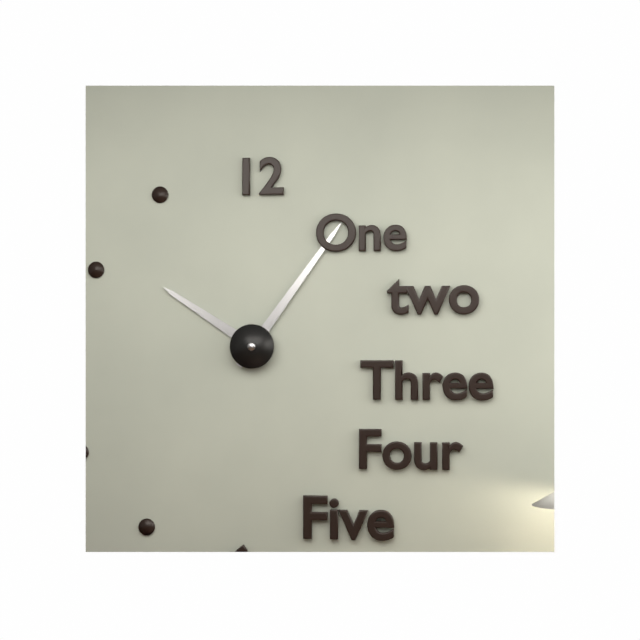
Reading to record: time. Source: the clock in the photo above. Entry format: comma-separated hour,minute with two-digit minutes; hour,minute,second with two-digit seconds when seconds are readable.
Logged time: 10,06
